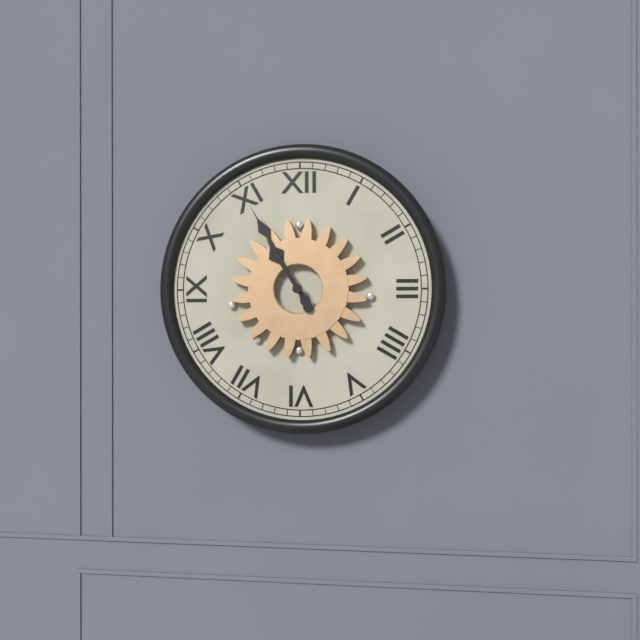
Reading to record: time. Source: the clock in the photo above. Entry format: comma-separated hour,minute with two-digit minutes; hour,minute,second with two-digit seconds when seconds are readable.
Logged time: 10,55
